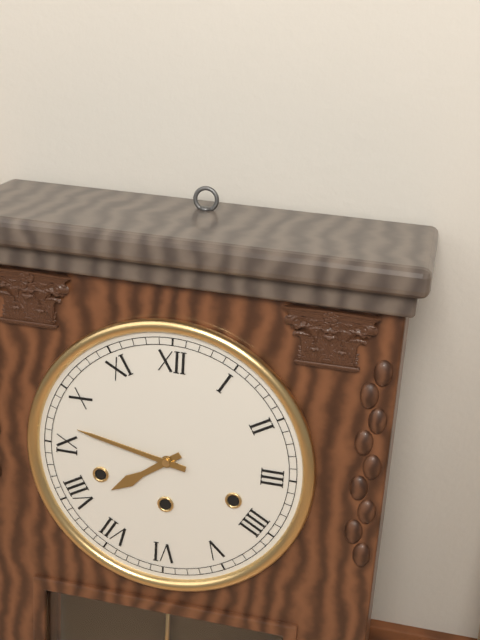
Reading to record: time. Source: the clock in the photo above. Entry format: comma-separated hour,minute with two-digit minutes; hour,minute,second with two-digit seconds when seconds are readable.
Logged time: 7,47
